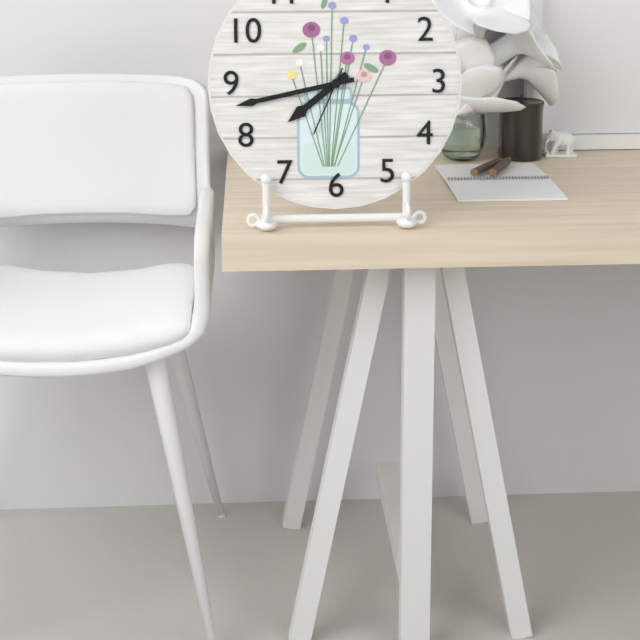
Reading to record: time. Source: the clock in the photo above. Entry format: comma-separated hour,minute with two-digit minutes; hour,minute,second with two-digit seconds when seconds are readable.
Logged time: 7,43,34
